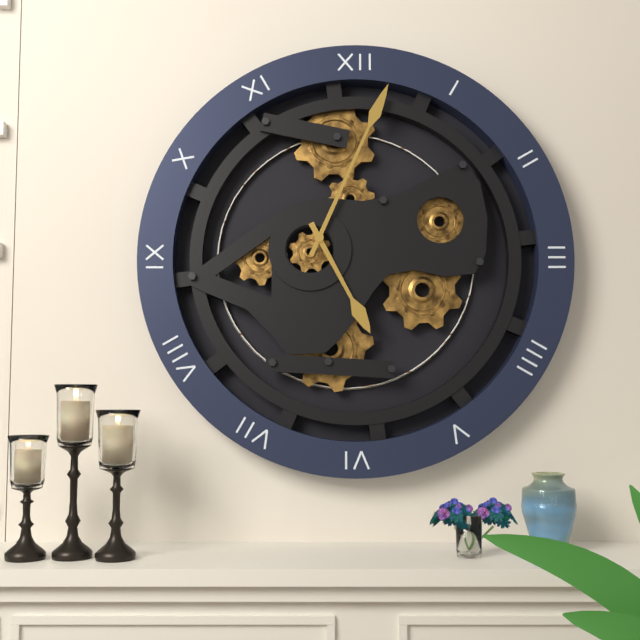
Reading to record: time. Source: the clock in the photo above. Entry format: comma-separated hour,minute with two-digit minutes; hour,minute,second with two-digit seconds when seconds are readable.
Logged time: 5,04
